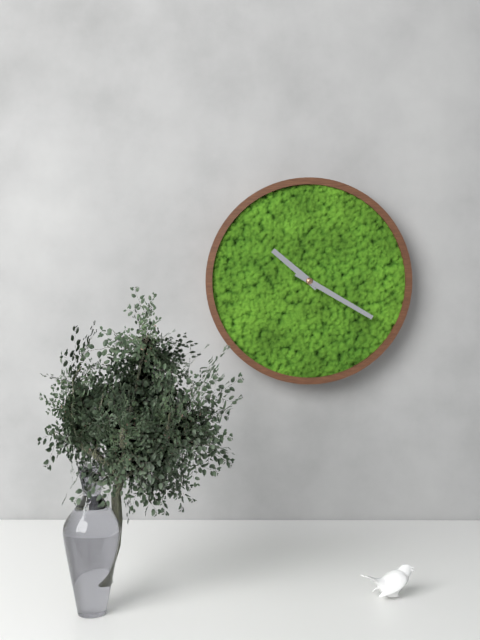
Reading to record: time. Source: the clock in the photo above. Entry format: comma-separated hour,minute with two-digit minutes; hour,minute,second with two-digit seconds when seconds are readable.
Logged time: 10,20
